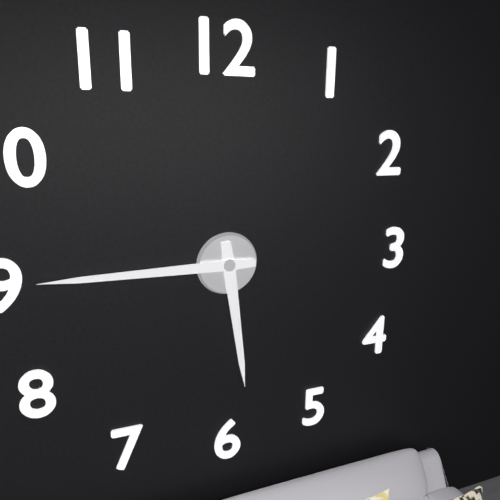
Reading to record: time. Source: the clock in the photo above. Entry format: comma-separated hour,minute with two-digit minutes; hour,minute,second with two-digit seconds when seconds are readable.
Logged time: 5,45
